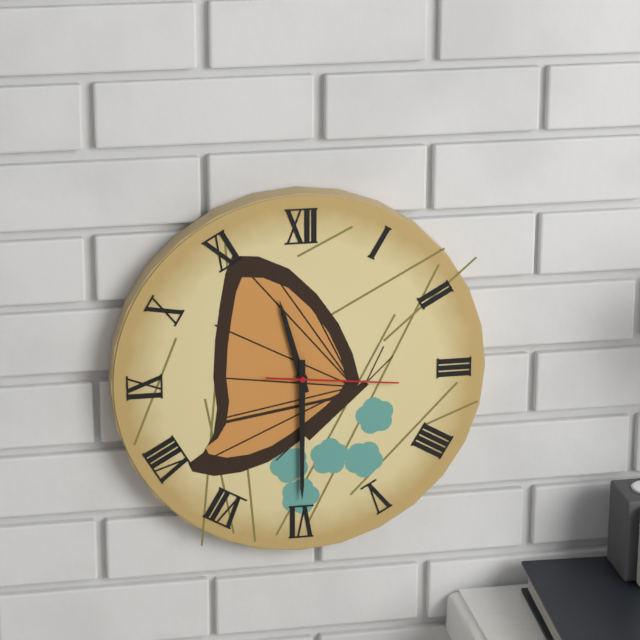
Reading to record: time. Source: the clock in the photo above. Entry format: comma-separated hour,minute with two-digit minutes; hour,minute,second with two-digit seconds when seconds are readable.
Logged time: 11,30,16
